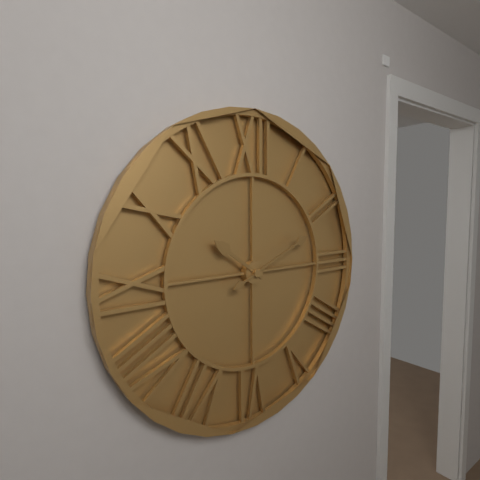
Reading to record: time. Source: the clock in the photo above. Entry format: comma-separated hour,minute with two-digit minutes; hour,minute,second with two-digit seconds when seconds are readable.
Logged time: 10,11
